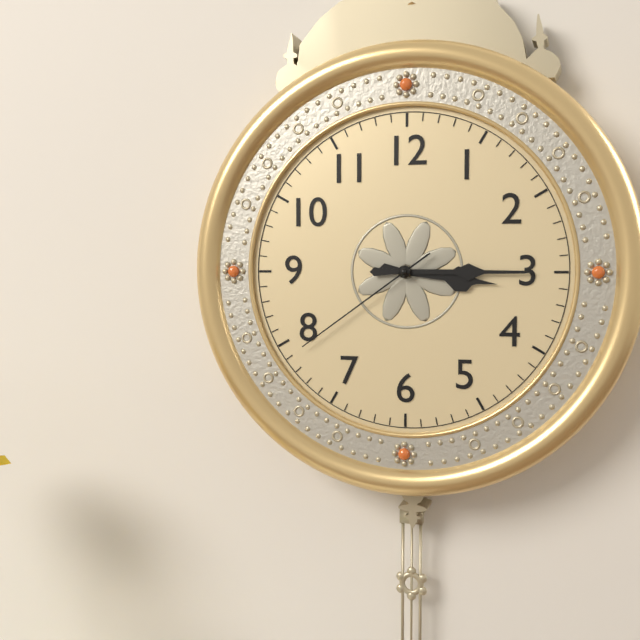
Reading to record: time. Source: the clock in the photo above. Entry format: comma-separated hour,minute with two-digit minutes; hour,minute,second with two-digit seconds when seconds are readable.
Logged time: 3,15,39
